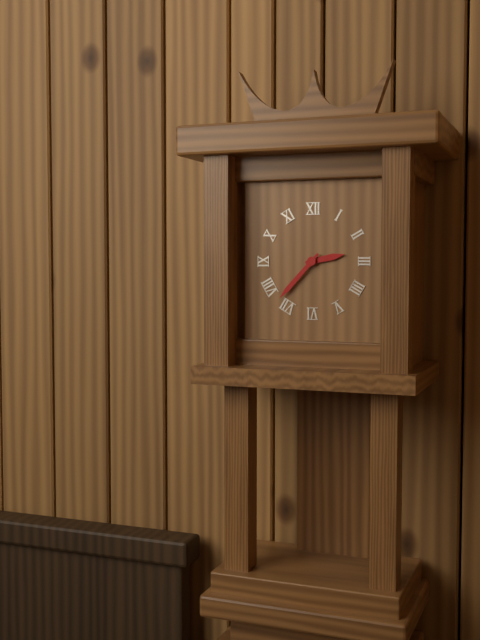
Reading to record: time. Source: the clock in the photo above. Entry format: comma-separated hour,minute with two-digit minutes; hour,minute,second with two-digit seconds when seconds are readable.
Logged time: 2,37
